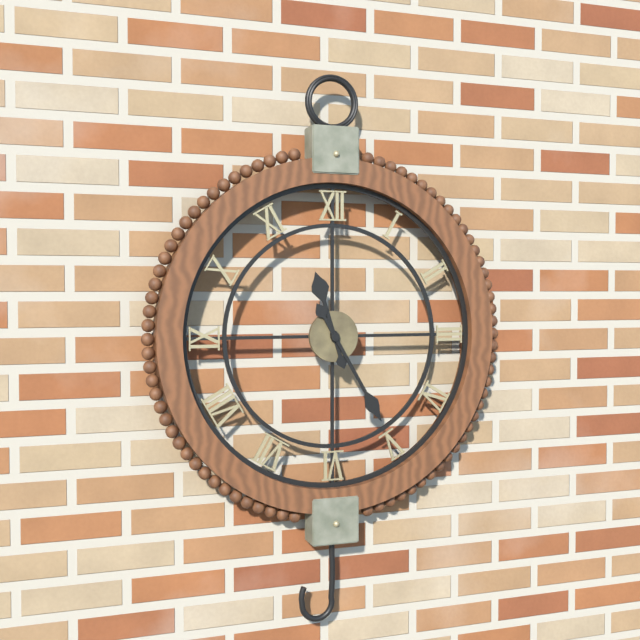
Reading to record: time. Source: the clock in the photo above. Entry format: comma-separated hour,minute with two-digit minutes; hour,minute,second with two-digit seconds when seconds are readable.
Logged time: 11,25
